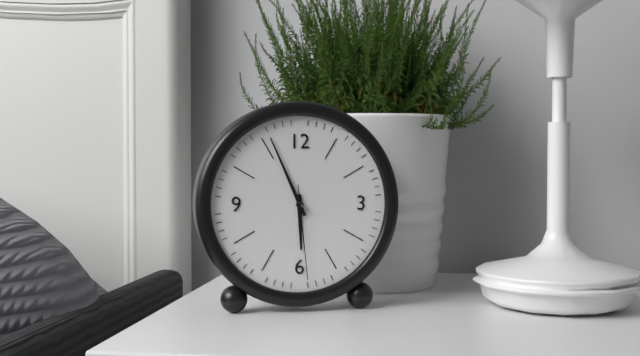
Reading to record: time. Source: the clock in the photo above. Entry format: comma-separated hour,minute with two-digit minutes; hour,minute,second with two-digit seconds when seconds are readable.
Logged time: 5,56,29
